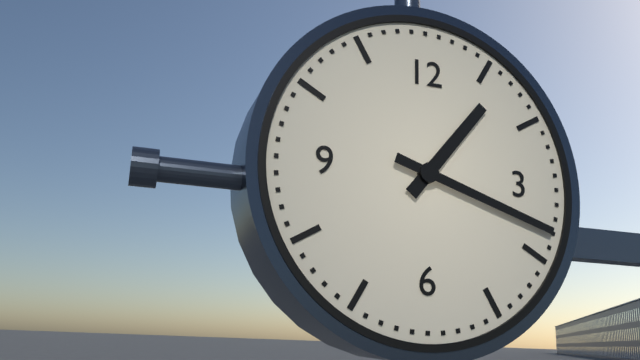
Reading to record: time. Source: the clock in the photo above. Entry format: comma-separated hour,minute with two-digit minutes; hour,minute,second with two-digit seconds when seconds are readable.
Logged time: 1,18
